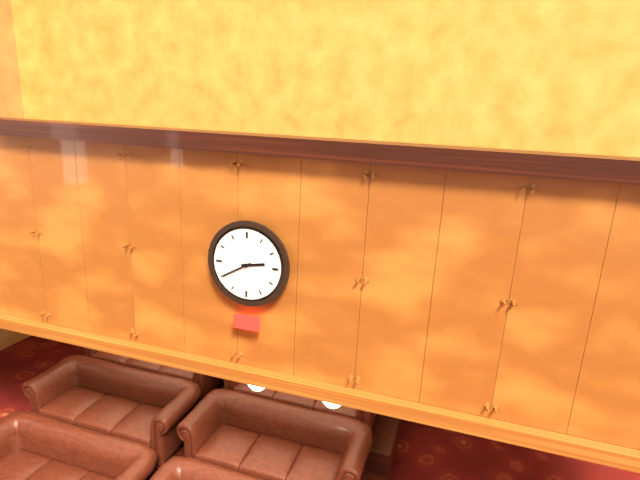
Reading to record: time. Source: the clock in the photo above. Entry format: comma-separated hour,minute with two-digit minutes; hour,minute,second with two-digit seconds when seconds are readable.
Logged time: 2,40
